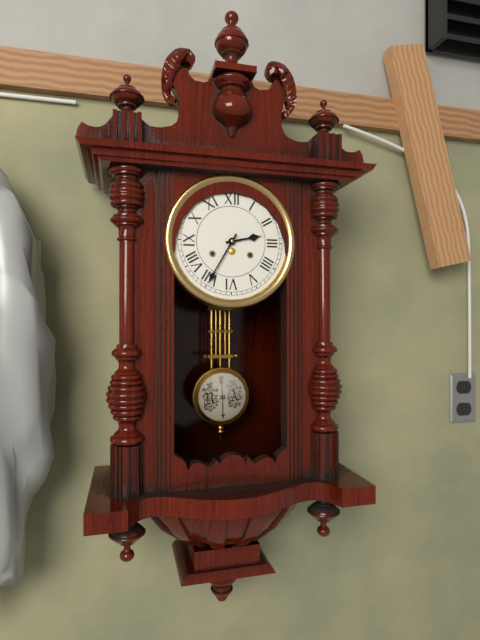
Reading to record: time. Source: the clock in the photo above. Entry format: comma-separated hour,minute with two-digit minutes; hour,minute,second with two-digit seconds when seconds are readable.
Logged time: 2,35
